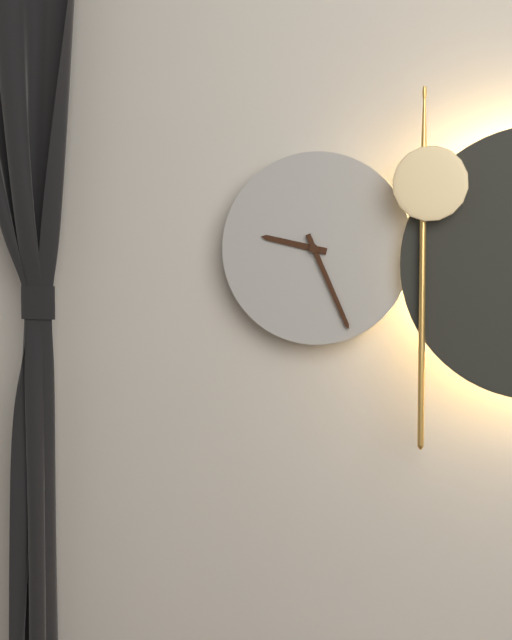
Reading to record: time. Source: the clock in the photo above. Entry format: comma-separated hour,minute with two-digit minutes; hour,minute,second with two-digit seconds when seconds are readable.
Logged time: 9,26
